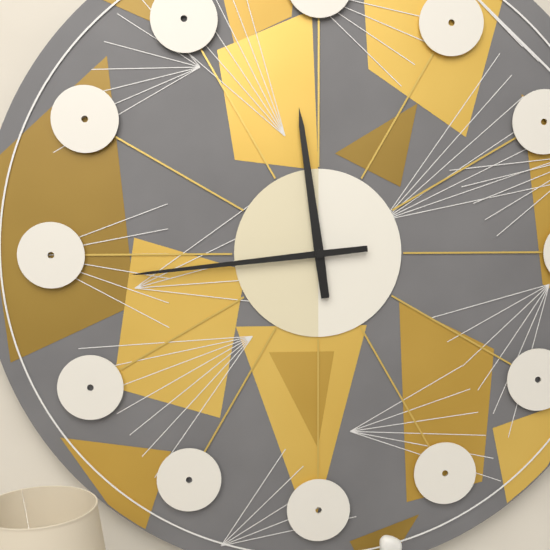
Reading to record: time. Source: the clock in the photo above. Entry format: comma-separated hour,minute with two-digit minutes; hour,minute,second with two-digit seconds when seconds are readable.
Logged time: 11,44
